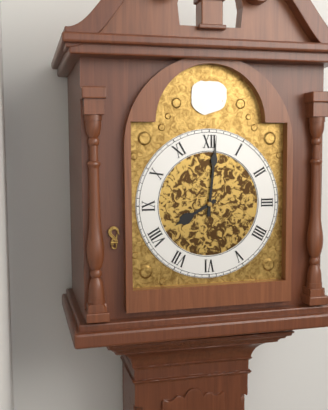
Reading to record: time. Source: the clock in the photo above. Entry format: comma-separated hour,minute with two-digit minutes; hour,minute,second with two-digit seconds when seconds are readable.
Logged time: 8,01
